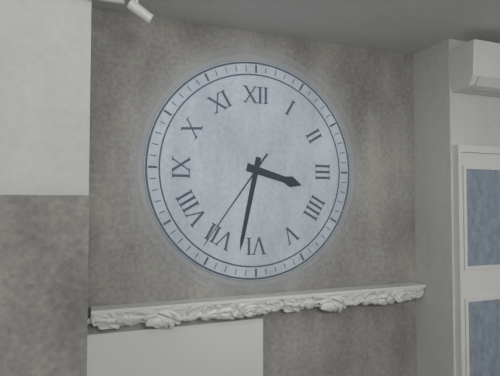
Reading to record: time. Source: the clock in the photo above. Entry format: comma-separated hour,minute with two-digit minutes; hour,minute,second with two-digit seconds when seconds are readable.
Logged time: 3,32,36
